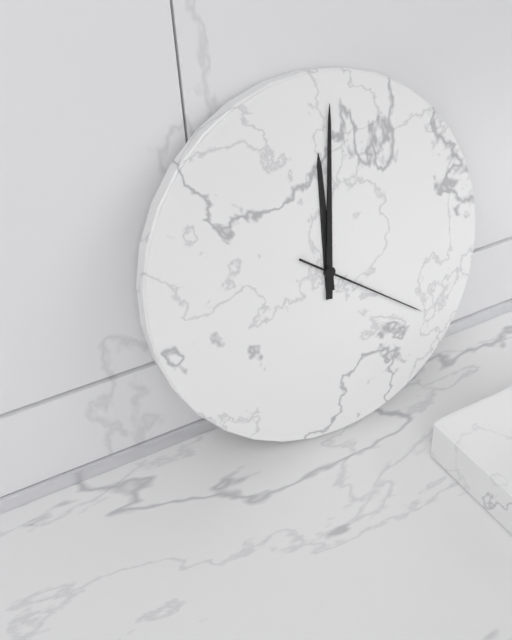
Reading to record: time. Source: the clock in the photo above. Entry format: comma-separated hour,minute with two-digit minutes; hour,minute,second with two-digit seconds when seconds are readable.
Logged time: 12,01,21
